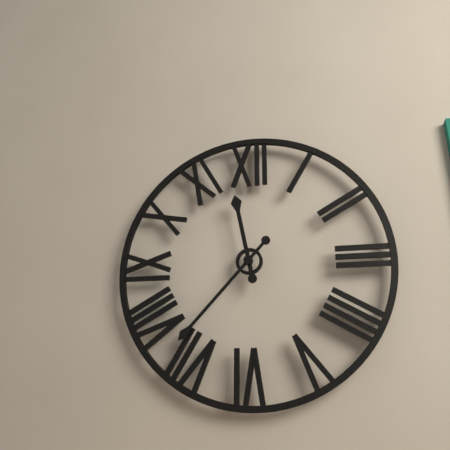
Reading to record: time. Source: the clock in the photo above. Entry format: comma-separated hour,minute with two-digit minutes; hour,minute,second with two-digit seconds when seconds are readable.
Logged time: 11,37
